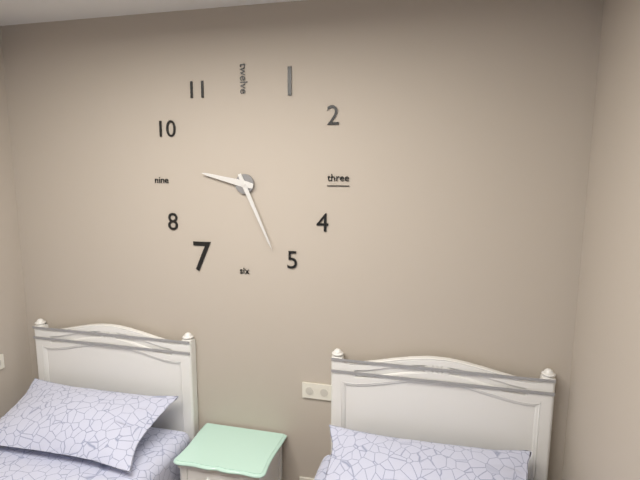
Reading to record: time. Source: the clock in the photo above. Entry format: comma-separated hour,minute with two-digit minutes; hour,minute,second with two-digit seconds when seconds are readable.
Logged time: 9,26
